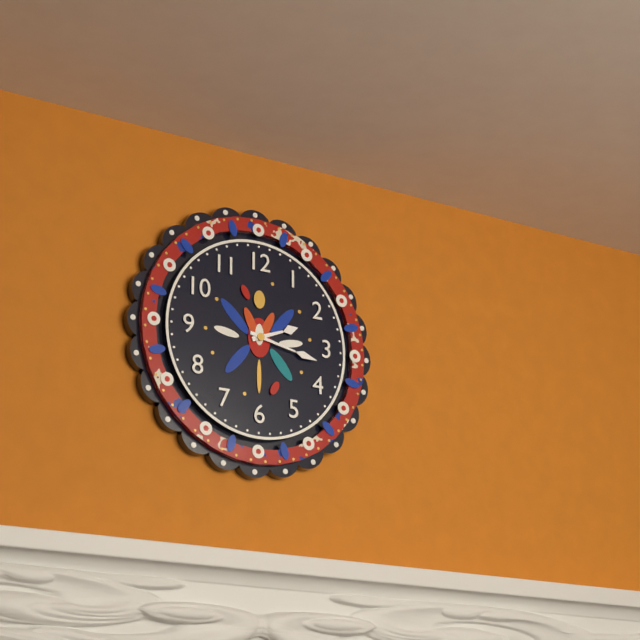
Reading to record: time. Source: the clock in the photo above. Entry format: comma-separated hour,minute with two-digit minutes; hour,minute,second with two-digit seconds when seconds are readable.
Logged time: 2,17
